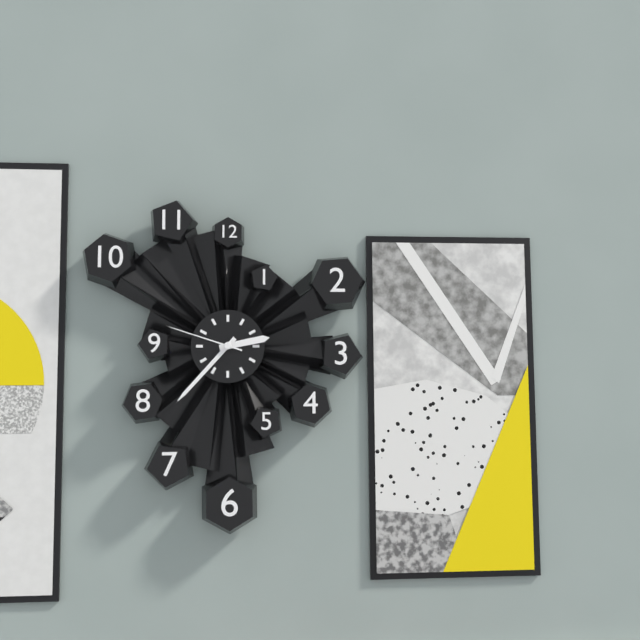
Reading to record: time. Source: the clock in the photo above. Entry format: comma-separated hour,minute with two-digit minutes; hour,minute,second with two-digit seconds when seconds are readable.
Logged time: 2,37,48
